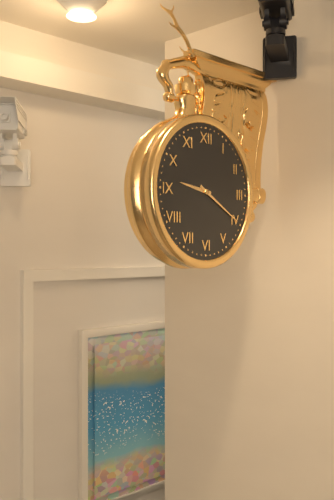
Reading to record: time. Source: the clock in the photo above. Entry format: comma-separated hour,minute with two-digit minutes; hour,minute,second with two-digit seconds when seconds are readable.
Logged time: 9,20
